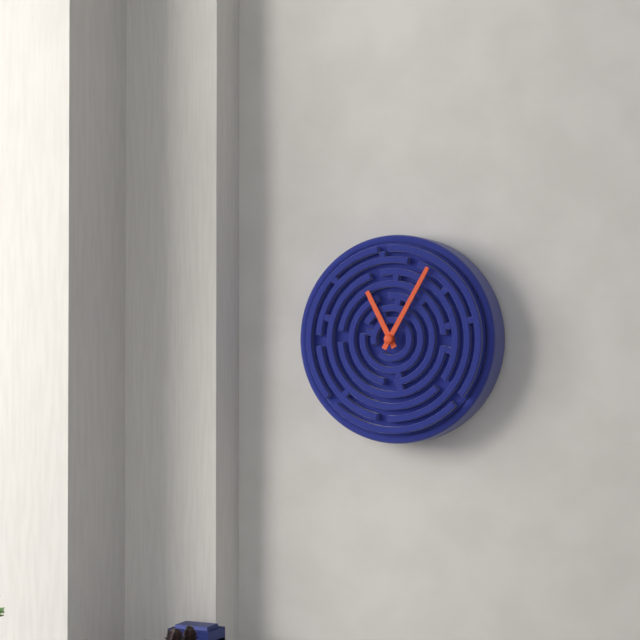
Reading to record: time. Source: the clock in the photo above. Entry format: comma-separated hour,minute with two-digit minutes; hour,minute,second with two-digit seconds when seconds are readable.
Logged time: 11,05
